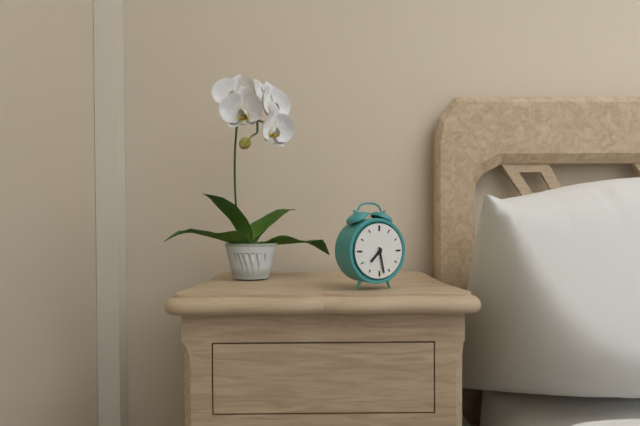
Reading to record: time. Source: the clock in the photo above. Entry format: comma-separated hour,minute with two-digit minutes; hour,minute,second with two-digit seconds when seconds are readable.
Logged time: 7,28
